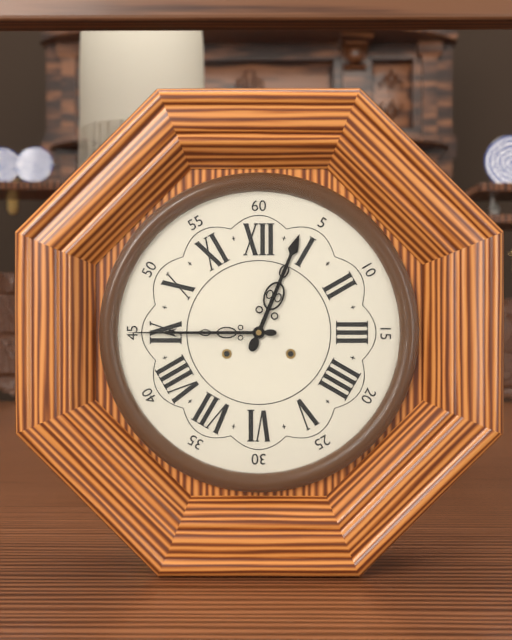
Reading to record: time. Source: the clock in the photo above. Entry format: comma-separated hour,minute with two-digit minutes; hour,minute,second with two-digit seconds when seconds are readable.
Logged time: 12,45
